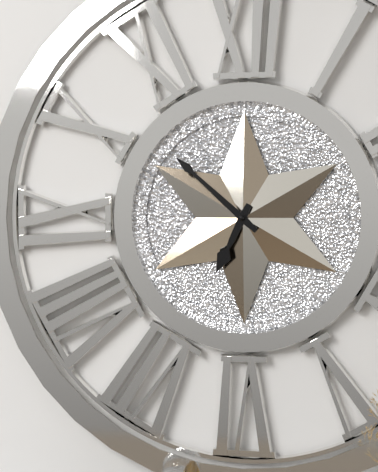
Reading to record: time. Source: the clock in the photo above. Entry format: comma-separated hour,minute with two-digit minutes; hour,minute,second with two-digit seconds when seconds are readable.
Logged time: 6,52
